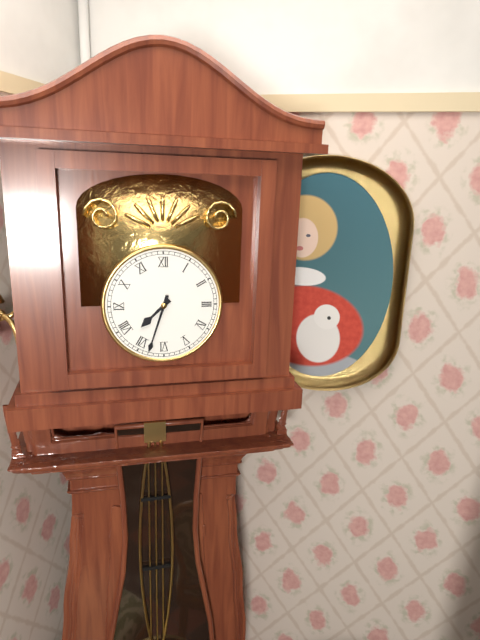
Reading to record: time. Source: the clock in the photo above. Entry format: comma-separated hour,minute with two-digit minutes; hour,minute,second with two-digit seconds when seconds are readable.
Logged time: 7,33
